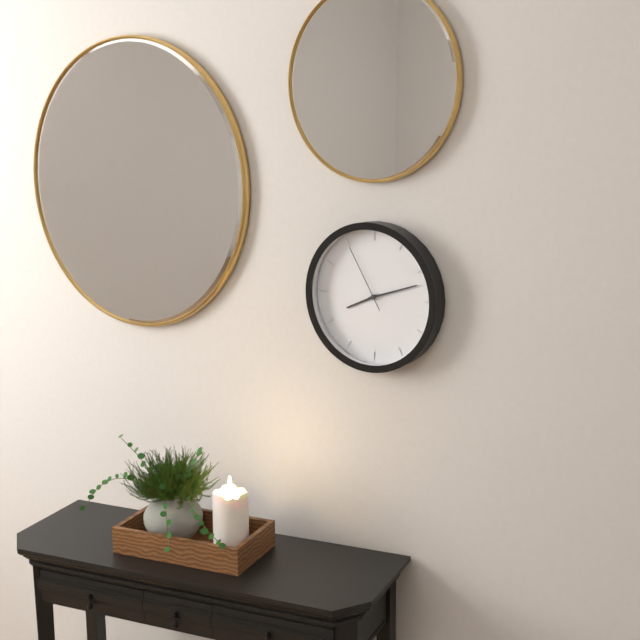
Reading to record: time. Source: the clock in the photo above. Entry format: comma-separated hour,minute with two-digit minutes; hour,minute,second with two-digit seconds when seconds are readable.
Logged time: 8,12,55
